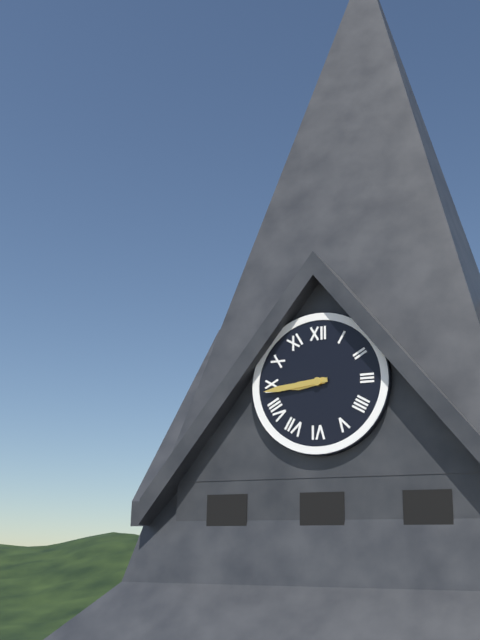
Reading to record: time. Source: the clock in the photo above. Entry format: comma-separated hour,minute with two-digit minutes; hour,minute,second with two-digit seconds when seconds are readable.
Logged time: 8,44
